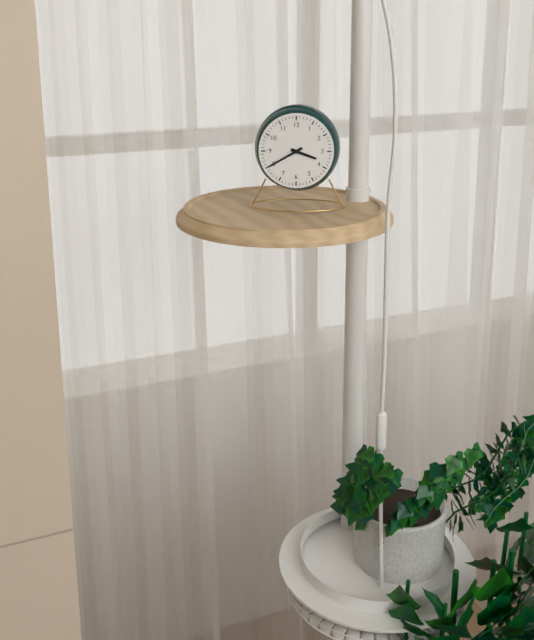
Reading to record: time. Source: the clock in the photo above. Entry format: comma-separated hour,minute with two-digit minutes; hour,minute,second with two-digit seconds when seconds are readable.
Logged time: 3,40
